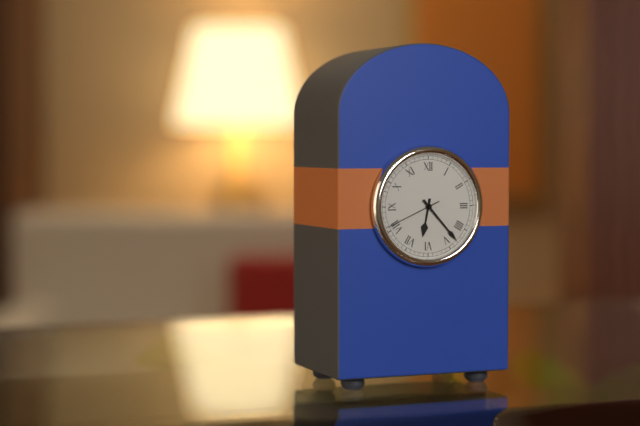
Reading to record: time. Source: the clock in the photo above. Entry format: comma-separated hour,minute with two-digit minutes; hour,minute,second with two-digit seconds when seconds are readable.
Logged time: 6,23,41
